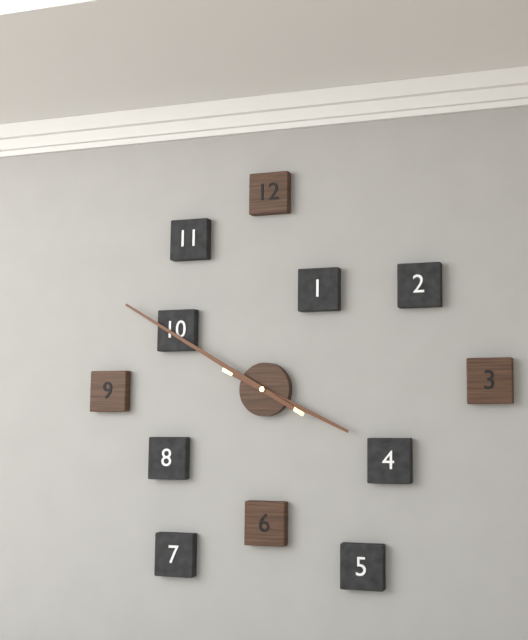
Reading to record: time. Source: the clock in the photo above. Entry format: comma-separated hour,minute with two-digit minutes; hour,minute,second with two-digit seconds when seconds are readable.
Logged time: 3,50
